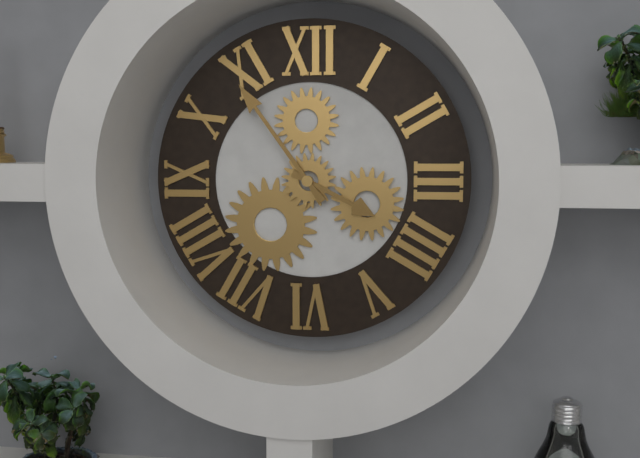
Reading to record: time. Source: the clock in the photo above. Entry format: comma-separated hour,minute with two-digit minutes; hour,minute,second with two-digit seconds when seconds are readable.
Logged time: 3,54
